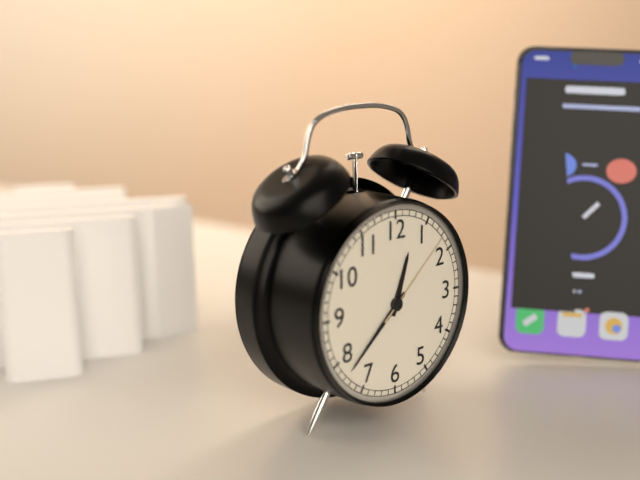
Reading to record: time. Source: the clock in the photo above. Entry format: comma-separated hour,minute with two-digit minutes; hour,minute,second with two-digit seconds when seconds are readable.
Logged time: 12,38,08
